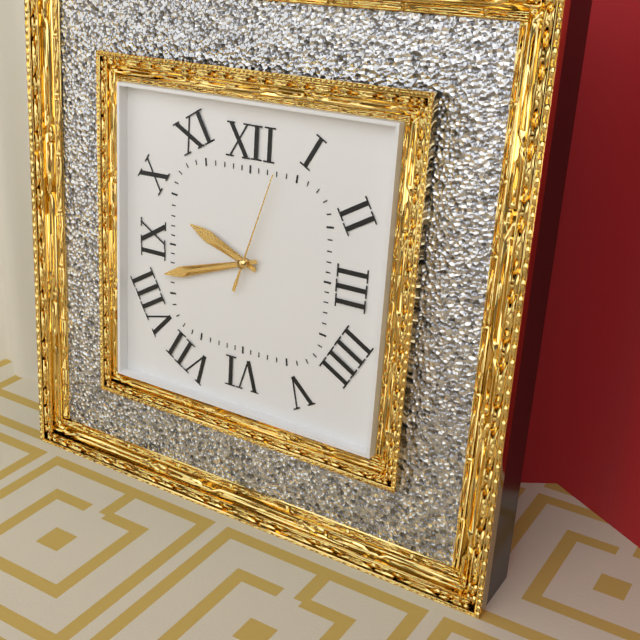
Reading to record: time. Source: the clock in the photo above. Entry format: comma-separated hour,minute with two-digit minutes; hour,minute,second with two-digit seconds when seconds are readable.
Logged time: 9,42,03
